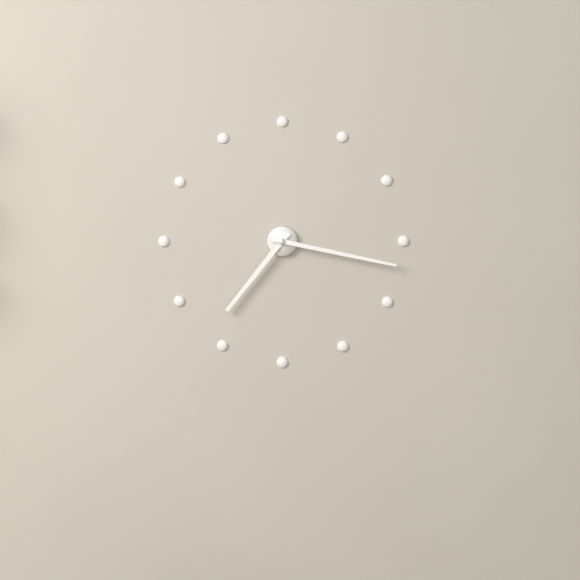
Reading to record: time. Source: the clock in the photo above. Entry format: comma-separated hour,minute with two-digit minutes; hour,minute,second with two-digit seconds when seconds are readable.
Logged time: 7,17
